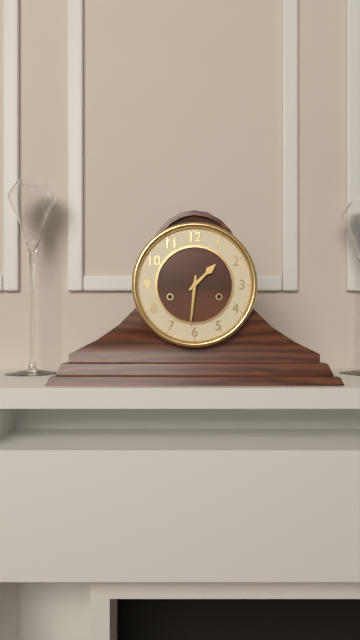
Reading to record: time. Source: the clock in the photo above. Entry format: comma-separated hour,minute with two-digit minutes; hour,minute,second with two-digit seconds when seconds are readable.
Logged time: 1,31
